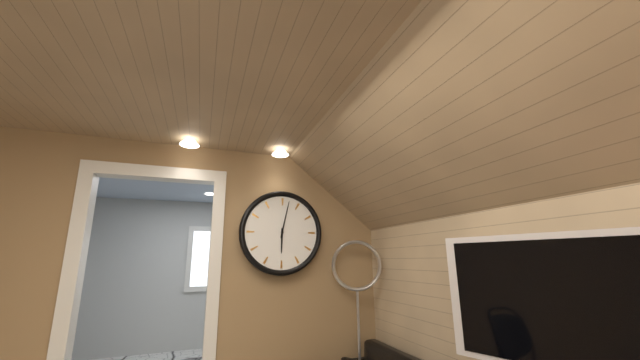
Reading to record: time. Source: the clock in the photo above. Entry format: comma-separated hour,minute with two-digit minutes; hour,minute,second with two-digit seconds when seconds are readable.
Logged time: 6,02
